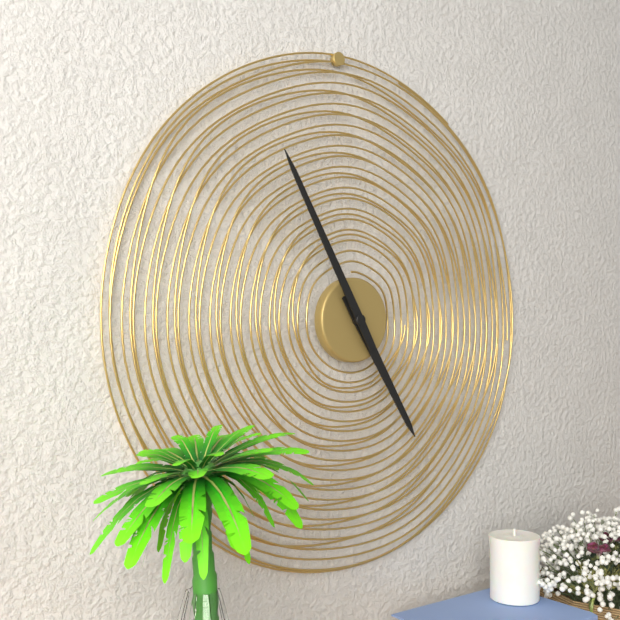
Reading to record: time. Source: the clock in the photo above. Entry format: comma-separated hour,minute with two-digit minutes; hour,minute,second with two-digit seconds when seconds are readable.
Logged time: 4,55
